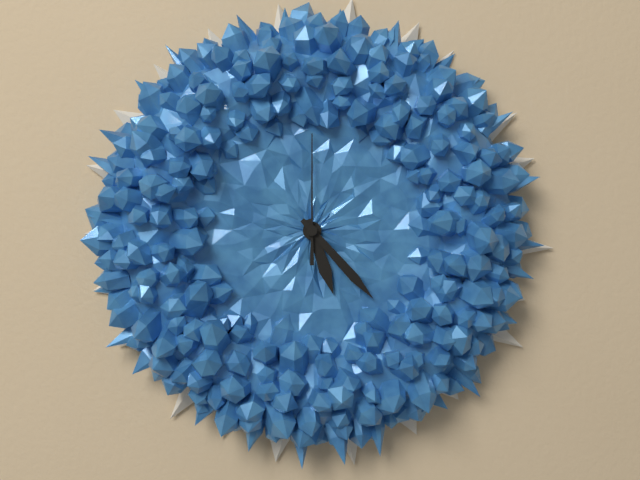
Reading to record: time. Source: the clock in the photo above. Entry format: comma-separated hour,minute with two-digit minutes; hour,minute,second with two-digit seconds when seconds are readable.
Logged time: 5,23,00
